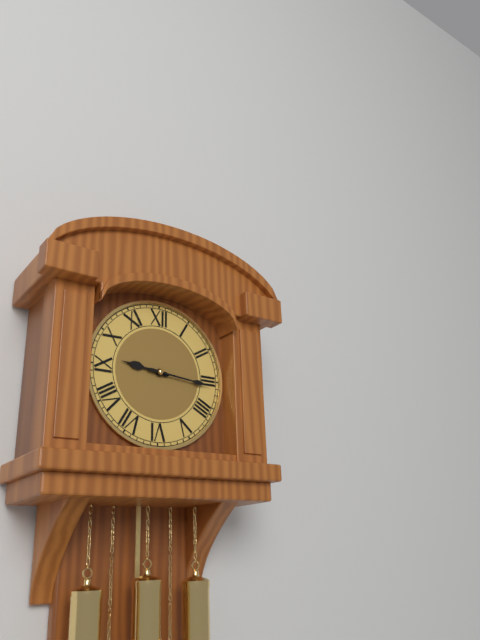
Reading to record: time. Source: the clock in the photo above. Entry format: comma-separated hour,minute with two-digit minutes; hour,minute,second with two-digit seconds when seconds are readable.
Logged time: 9,16
